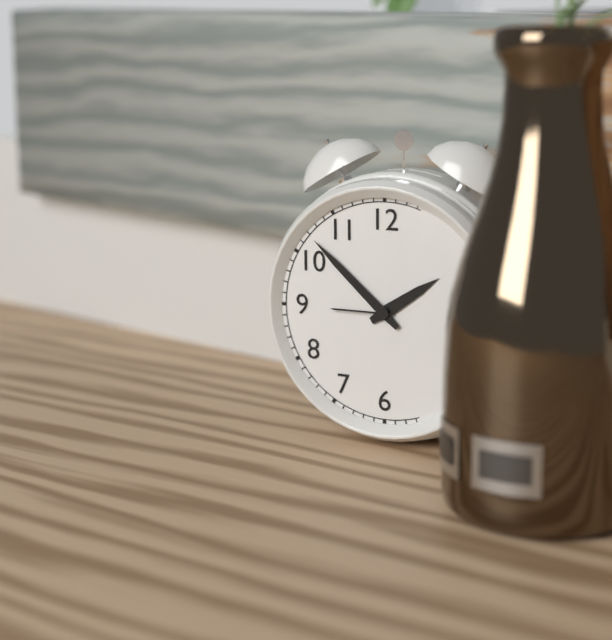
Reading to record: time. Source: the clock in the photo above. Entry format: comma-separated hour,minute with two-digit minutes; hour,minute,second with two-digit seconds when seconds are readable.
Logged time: 1,52
